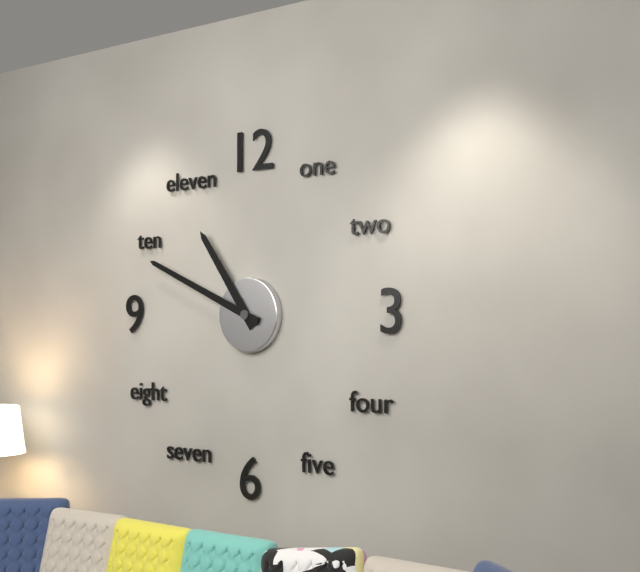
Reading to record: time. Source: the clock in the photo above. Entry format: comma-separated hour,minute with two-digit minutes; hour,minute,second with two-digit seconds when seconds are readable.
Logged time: 10,49
